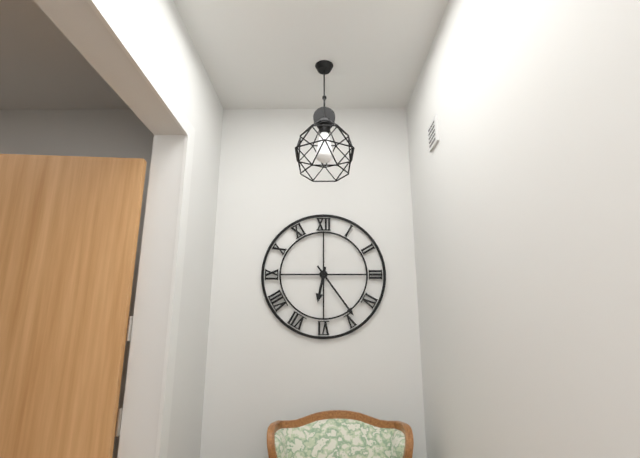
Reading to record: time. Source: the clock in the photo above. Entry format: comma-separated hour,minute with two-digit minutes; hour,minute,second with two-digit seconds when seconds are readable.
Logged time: 6,24
